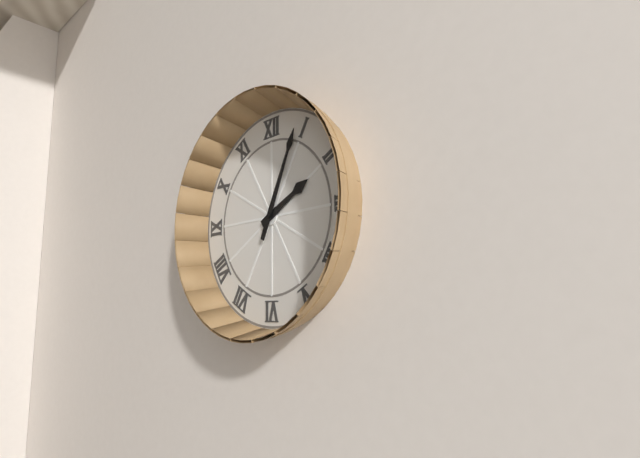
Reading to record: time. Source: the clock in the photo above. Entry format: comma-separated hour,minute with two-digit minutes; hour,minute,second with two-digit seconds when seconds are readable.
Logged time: 2,04
